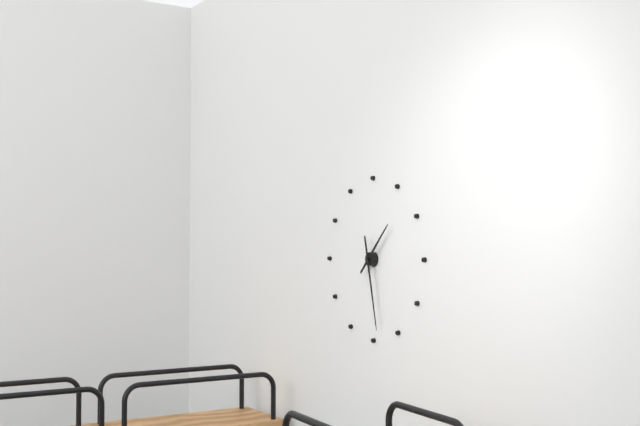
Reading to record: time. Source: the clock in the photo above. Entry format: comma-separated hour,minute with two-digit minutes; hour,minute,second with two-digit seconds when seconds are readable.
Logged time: 1,28
